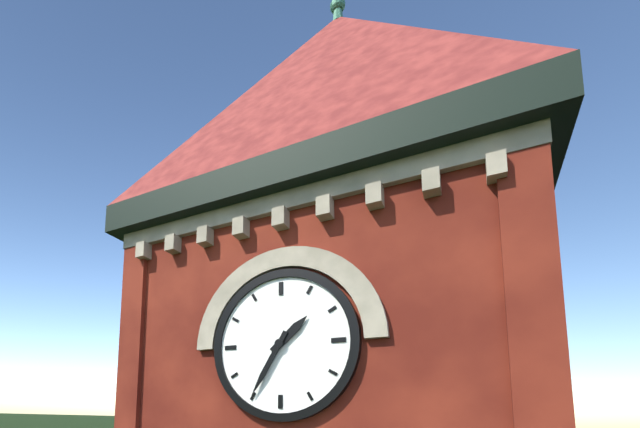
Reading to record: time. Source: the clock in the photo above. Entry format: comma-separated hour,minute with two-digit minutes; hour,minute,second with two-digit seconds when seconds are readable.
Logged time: 1,35
